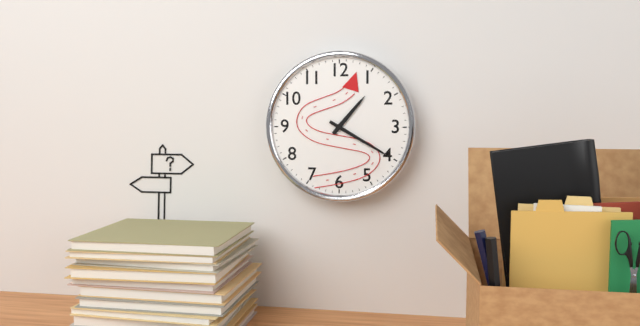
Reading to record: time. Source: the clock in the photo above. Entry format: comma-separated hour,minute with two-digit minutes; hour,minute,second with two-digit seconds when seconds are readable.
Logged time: 1,20
